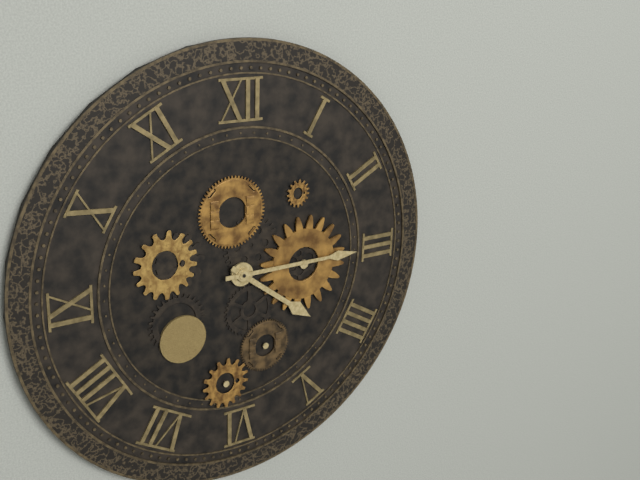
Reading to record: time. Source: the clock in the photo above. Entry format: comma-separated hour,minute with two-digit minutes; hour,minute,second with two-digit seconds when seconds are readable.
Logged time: 4,15
